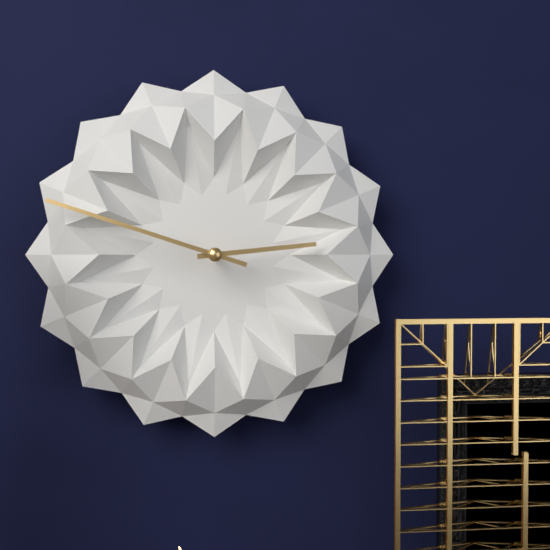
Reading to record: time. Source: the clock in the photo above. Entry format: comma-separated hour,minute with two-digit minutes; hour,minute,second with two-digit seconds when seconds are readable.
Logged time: 2,48
